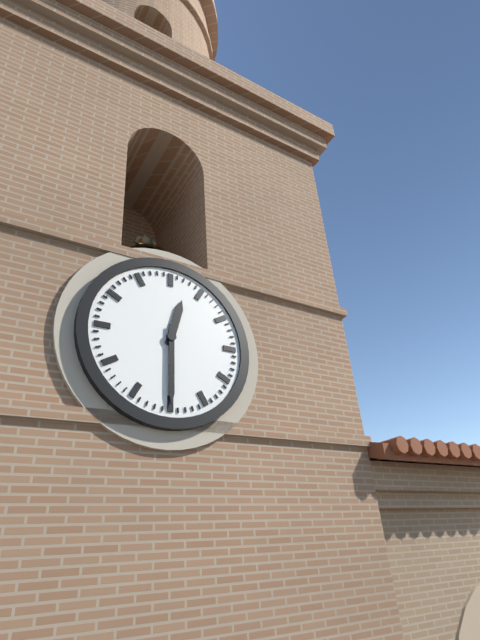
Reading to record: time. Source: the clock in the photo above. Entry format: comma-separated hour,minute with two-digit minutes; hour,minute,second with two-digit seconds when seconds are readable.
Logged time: 12,30
